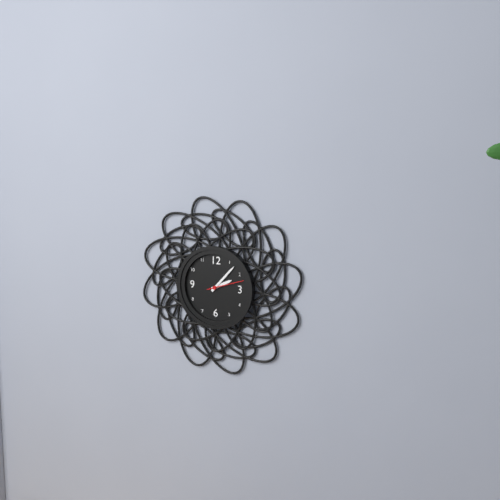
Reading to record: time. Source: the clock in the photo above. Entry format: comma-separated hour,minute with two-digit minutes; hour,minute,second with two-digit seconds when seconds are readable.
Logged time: 2,07
